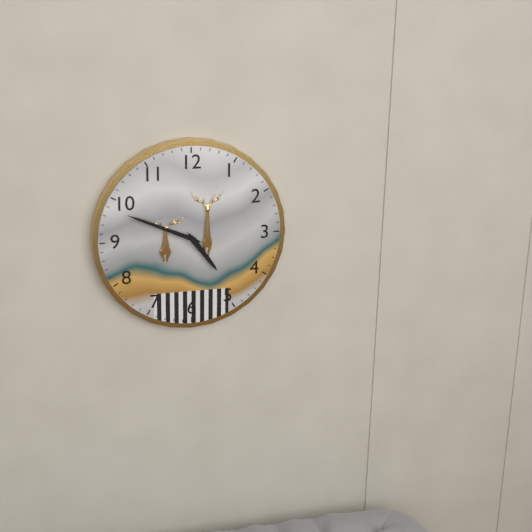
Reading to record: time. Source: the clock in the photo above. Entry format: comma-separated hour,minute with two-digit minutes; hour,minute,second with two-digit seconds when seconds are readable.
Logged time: 4,49
